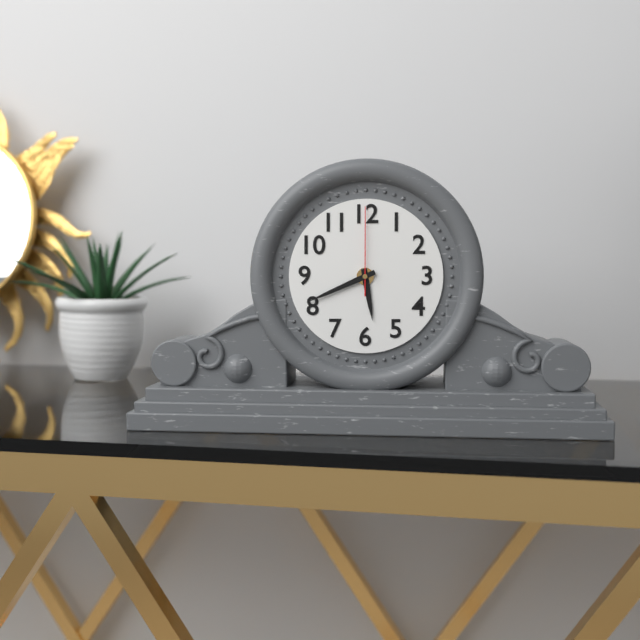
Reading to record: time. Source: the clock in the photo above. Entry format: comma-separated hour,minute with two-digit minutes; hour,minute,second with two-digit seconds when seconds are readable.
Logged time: 5,41,00
